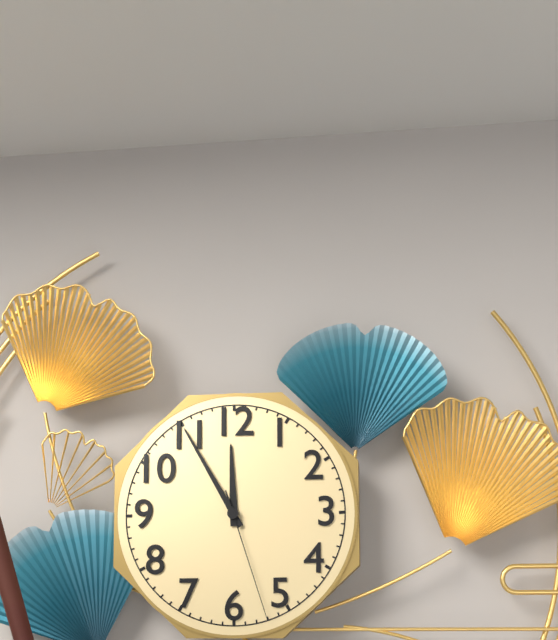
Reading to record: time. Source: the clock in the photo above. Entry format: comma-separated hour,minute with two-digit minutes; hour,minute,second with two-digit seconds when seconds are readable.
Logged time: 11,55,27
